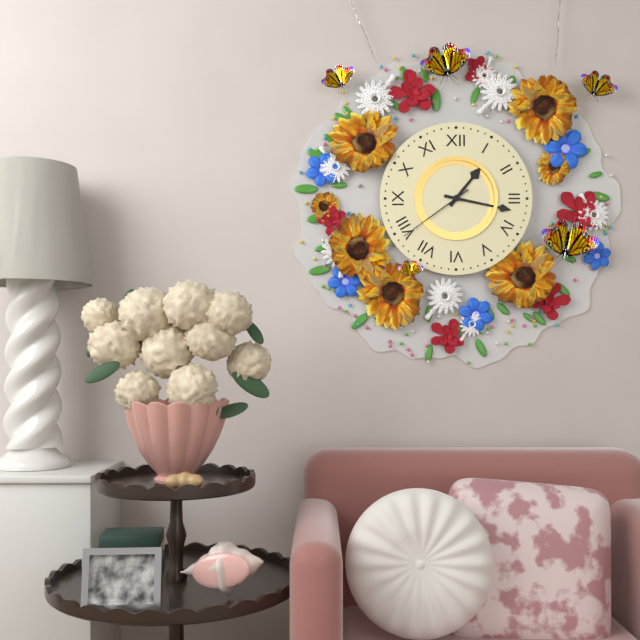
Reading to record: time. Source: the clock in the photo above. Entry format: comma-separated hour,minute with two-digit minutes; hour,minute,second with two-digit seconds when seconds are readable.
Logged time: 1,17,39
